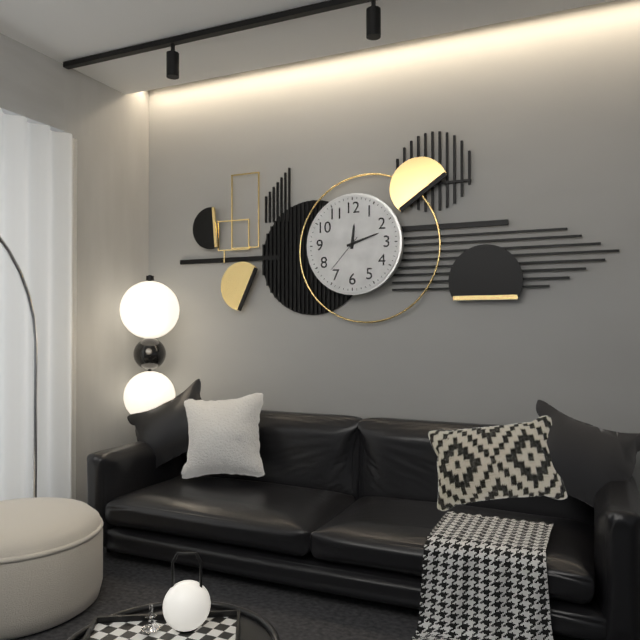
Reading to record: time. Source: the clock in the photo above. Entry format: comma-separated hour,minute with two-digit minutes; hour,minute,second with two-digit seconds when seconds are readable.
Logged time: 12,12
